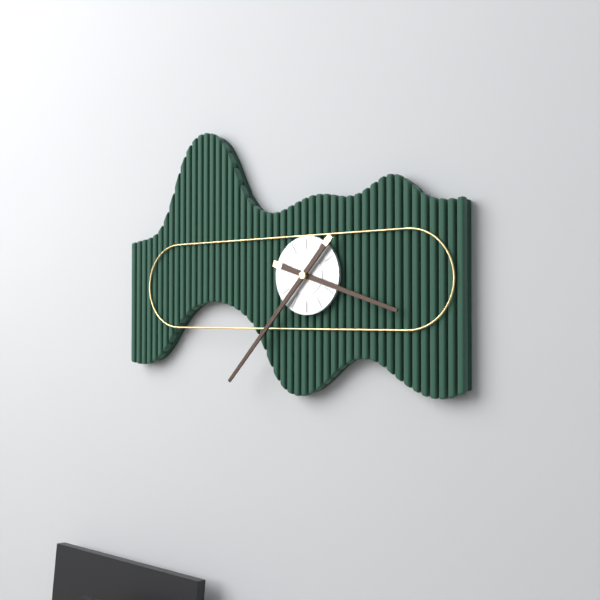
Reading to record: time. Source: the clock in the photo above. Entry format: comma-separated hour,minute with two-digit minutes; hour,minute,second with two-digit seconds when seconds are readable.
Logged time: 3,37
